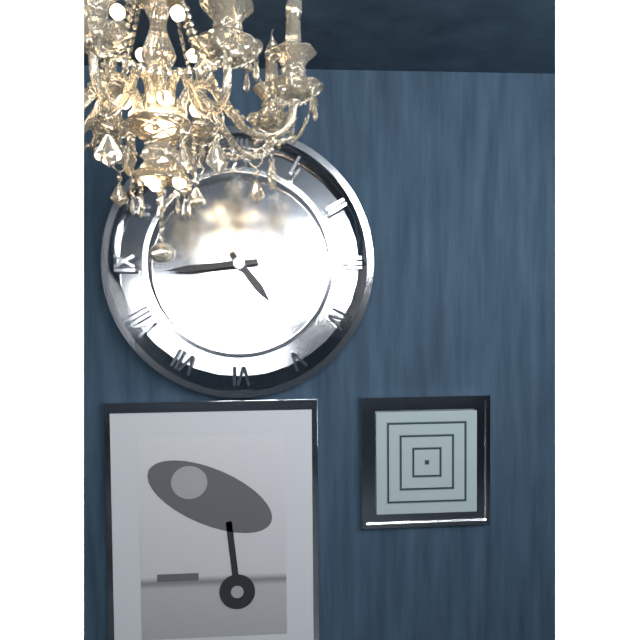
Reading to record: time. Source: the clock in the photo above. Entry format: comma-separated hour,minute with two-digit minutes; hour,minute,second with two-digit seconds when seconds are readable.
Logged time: 4,44
